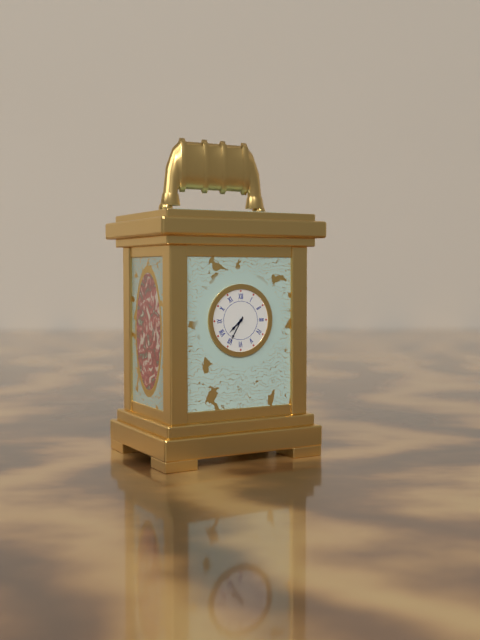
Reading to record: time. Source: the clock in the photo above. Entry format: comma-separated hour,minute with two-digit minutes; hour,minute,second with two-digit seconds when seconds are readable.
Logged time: 7,35
